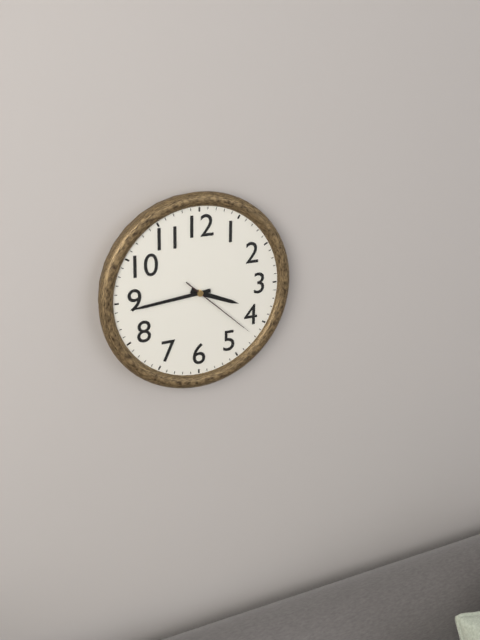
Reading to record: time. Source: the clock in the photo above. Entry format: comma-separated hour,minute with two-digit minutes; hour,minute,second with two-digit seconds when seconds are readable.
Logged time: 3,44,22
